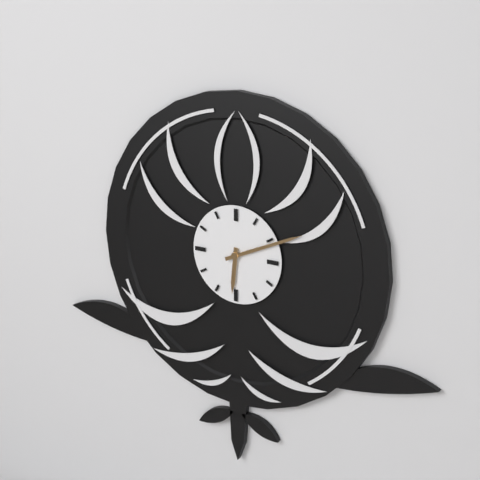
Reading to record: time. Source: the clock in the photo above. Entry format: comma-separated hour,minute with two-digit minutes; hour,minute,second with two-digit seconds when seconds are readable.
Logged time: 6,11
